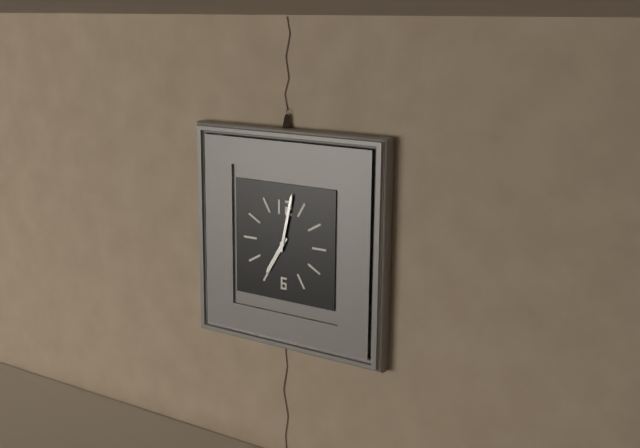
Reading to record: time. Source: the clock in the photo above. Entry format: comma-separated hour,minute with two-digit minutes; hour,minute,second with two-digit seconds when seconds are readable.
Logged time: 7,02
